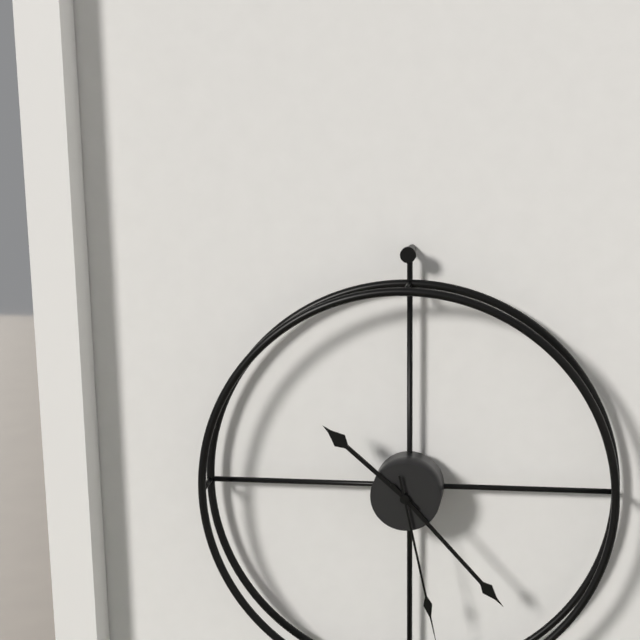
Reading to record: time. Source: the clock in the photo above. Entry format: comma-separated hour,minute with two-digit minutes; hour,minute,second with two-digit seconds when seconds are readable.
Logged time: 10,23
